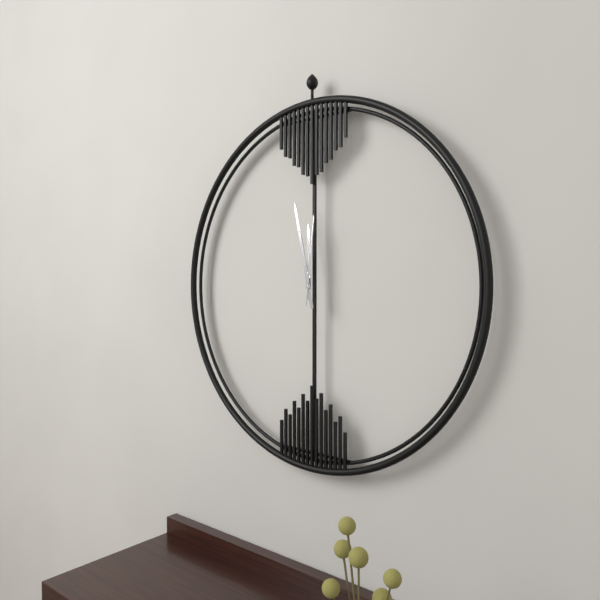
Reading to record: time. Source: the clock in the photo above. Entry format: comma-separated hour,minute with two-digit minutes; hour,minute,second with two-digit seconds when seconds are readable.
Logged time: 11,58,01
